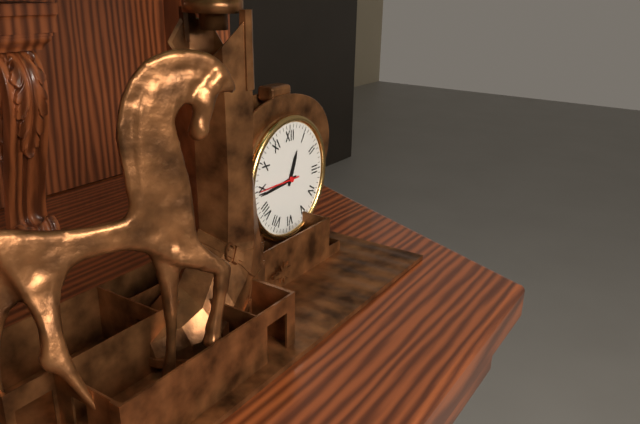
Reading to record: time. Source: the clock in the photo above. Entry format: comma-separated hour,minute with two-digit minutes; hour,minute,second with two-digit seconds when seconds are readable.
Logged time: 12,44
